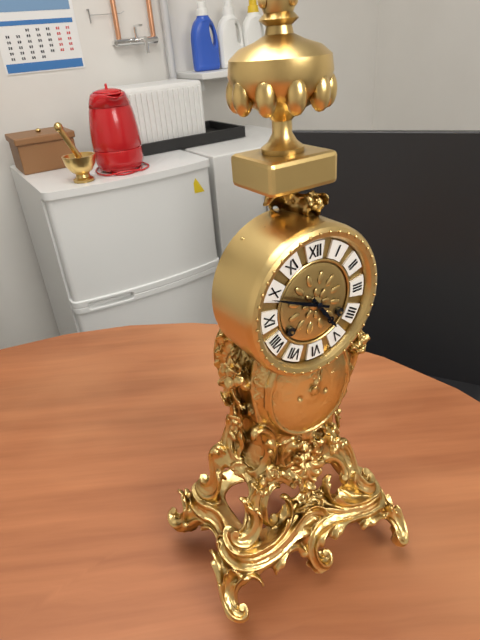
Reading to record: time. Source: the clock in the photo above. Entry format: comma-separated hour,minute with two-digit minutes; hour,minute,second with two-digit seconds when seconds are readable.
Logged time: 4,49
